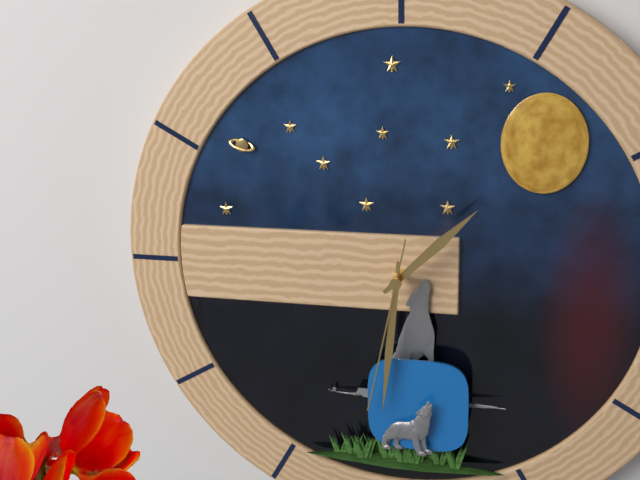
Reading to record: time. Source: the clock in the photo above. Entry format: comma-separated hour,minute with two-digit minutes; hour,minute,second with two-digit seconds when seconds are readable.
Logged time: 1,31,32
